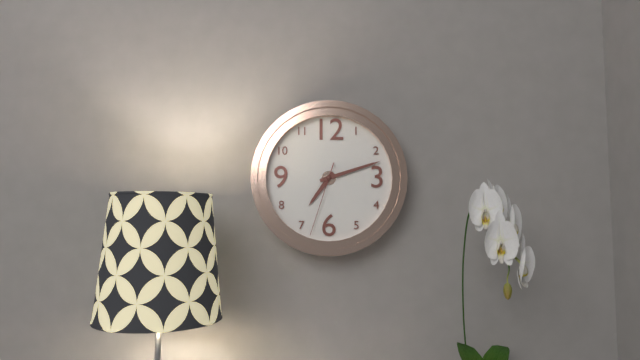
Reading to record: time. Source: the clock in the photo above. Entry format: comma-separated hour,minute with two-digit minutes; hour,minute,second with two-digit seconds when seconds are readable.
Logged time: 7,12,33
